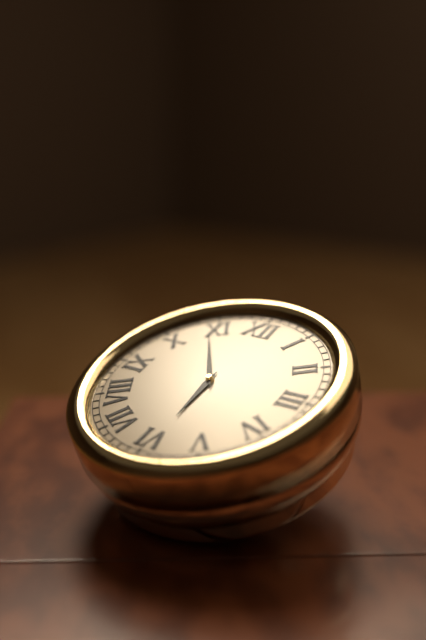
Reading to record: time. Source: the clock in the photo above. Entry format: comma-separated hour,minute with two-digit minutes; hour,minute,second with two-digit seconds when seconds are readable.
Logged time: 5,54
